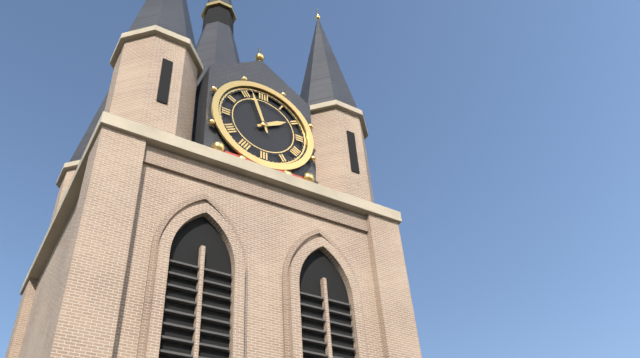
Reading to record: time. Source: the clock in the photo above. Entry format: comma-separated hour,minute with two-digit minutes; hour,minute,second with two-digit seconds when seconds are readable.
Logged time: 1,57
